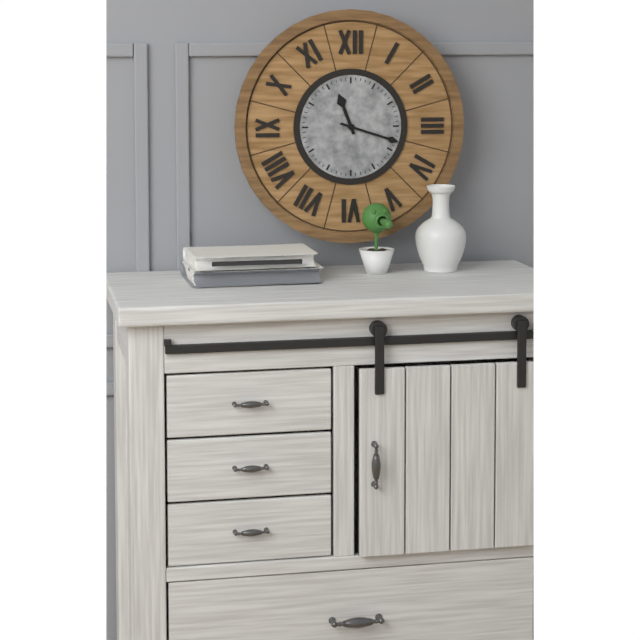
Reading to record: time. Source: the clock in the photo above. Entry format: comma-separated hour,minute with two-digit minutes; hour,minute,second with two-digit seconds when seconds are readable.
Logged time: 11,18
